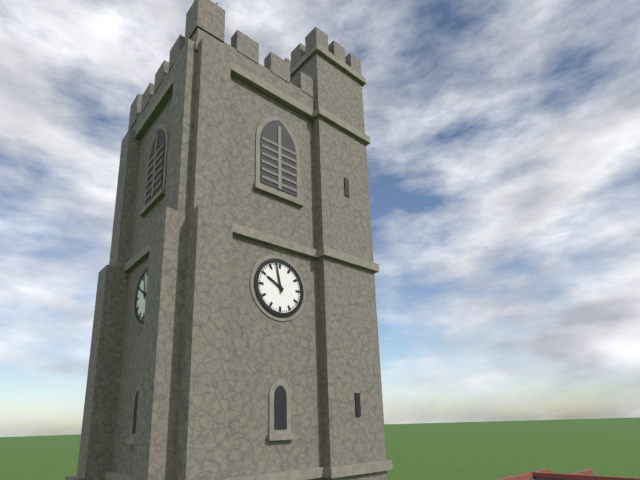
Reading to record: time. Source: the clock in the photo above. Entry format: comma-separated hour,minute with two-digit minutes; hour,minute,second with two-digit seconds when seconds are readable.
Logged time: 9,58
